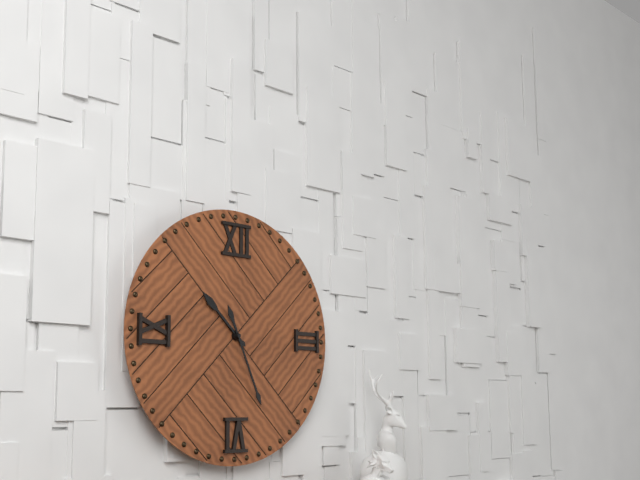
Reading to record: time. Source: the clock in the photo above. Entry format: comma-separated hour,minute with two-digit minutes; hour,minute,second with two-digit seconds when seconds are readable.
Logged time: 10,26
